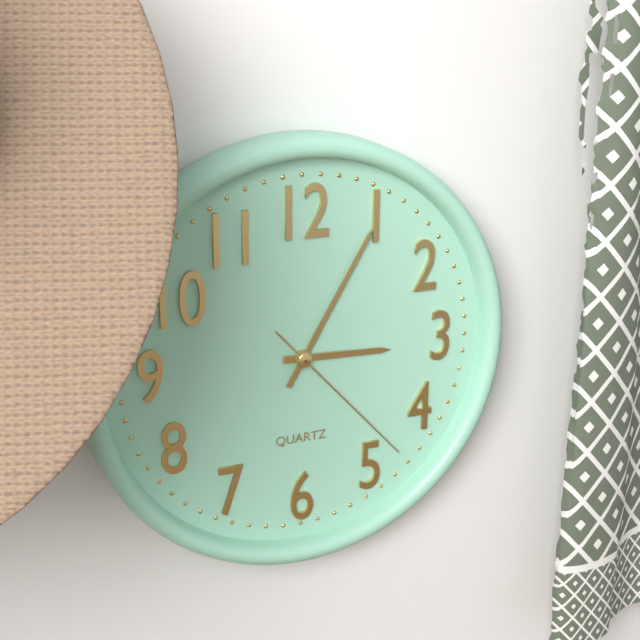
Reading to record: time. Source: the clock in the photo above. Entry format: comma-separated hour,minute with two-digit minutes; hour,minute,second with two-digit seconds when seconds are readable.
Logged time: 3,05,23
